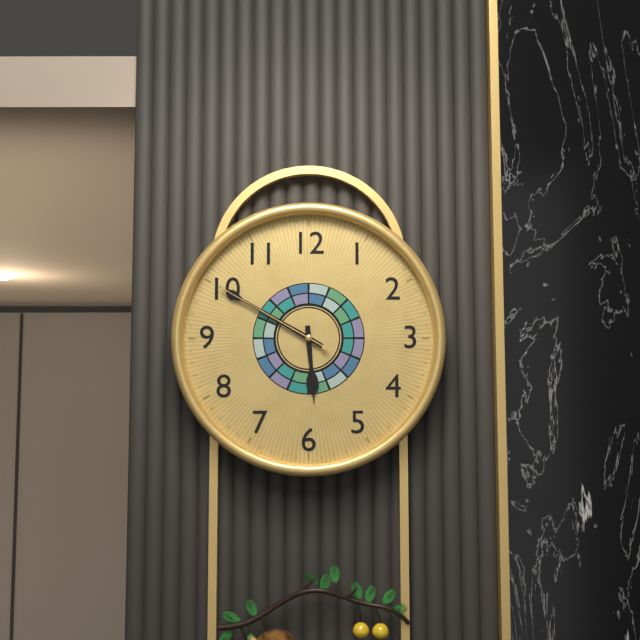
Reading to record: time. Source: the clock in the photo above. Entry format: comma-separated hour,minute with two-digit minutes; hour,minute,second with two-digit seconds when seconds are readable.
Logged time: 5,50,50
